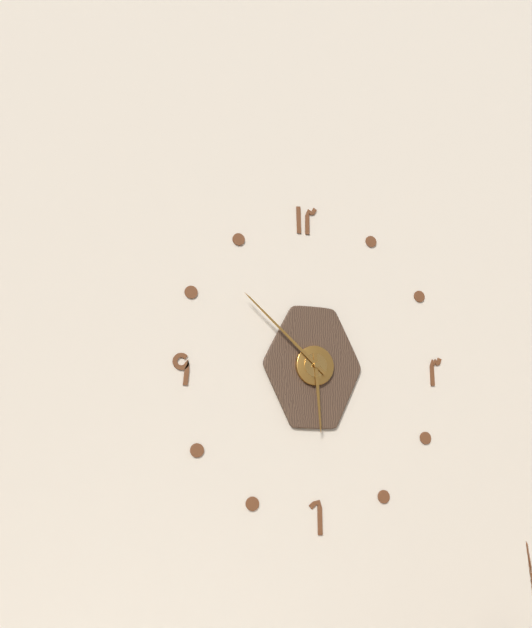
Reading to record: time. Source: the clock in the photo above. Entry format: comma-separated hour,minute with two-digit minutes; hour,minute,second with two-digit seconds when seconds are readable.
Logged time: 5,52
